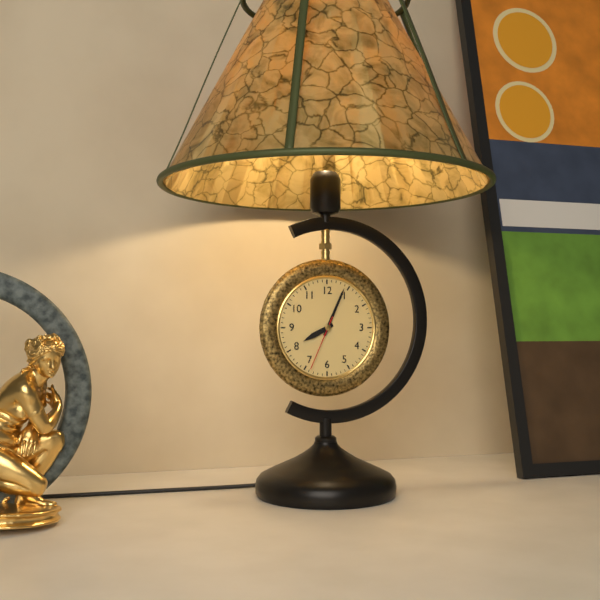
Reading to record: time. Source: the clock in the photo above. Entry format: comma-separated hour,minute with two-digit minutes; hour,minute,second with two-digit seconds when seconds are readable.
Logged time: 8,04,34
